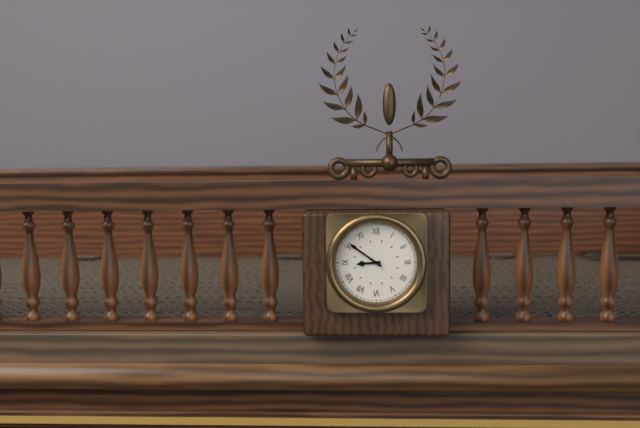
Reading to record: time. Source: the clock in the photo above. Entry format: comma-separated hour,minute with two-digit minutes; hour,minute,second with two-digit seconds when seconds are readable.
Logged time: 8,51
